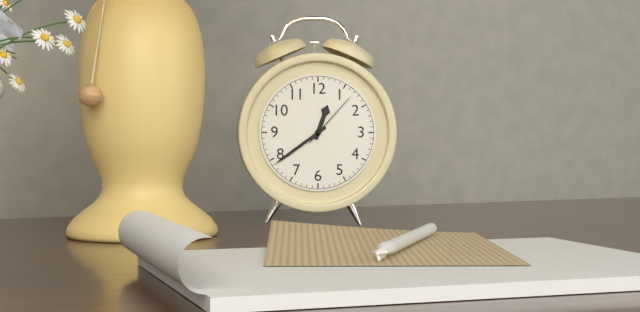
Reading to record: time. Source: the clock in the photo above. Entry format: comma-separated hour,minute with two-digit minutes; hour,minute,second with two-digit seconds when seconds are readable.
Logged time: 12,39,07
